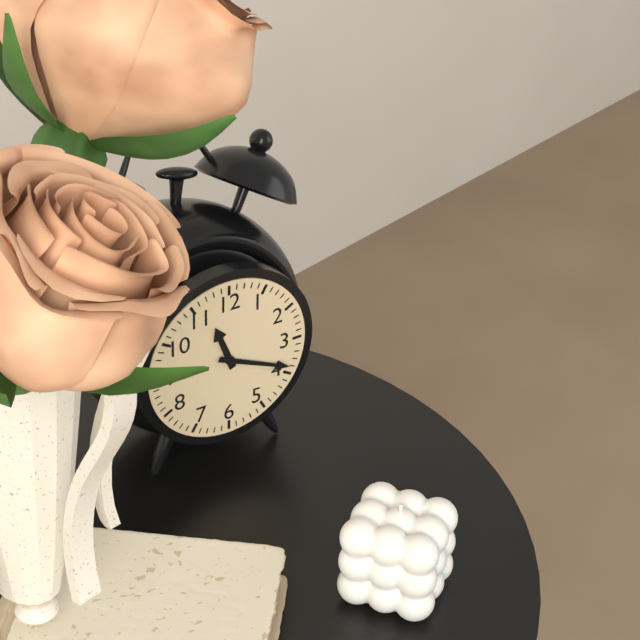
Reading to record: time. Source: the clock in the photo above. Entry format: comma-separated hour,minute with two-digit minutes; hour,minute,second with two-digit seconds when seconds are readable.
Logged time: 11,19
